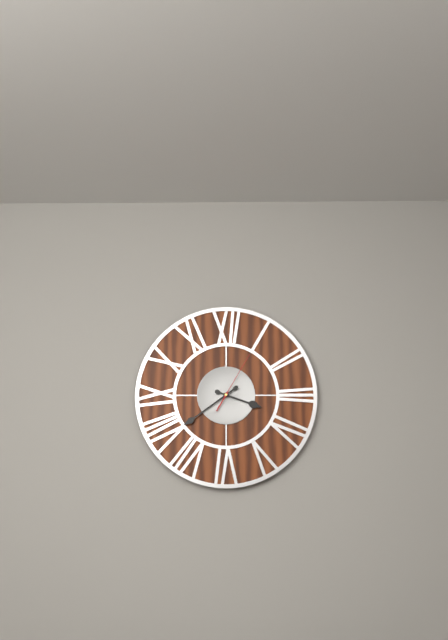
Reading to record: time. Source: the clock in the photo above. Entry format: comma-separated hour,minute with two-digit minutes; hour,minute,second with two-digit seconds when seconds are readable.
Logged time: 3,39,05
